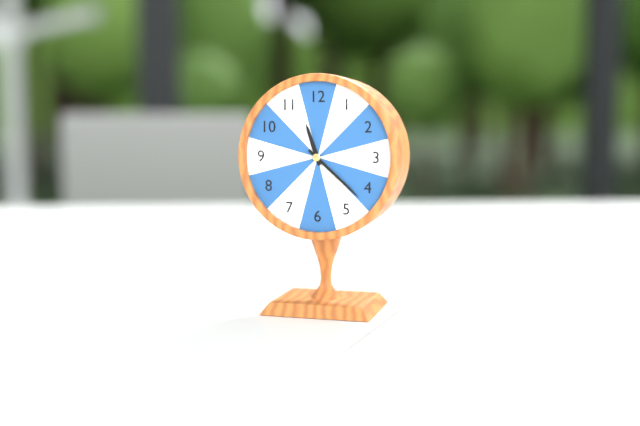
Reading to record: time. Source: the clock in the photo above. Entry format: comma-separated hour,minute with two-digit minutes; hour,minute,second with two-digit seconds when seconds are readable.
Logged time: 11,22
